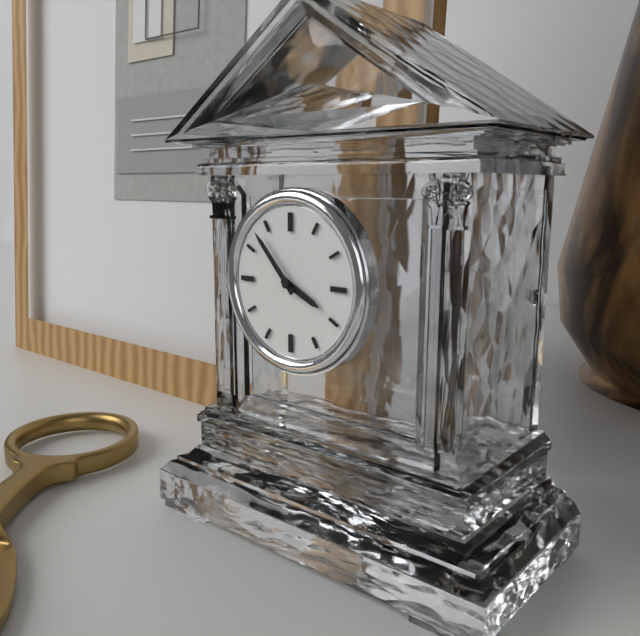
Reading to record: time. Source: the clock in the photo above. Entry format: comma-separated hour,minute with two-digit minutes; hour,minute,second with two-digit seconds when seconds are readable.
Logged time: 3,53
